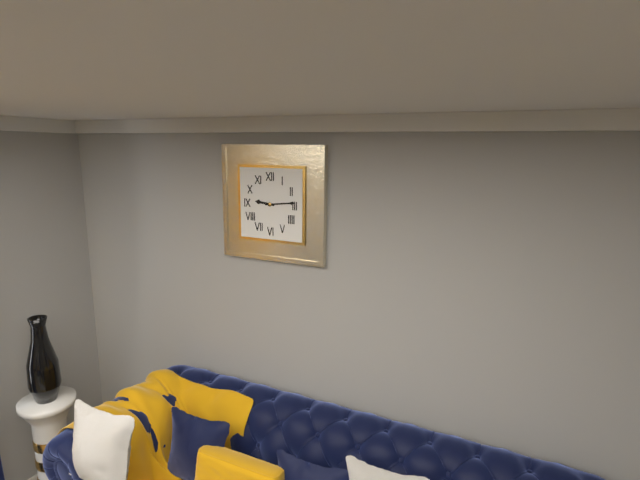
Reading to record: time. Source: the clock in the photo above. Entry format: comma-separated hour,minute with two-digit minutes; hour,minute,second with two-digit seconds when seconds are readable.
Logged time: 9,14
